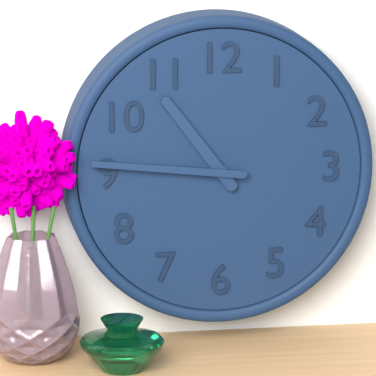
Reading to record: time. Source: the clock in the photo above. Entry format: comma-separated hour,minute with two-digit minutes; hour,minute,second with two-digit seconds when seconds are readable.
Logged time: 10,46
